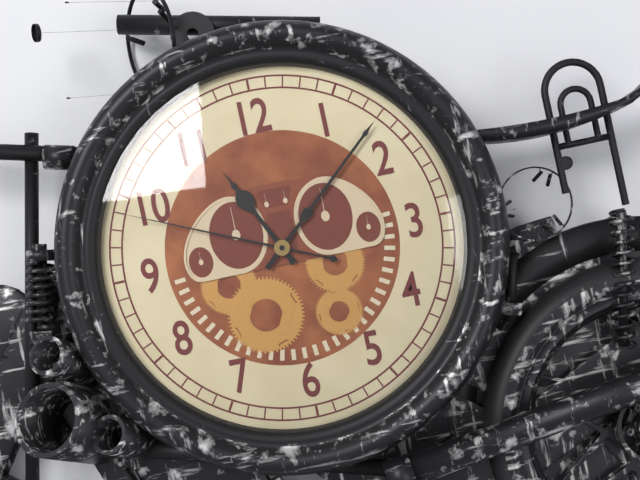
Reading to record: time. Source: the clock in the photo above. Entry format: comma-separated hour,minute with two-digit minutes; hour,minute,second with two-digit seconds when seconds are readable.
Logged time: 11,08,49
